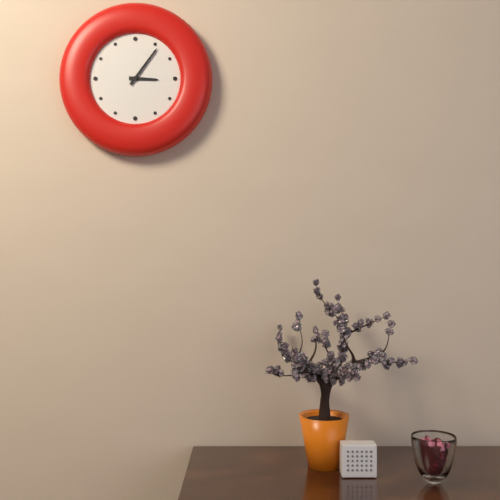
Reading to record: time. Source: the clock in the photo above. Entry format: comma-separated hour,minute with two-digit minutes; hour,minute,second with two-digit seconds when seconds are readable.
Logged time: 3,06
